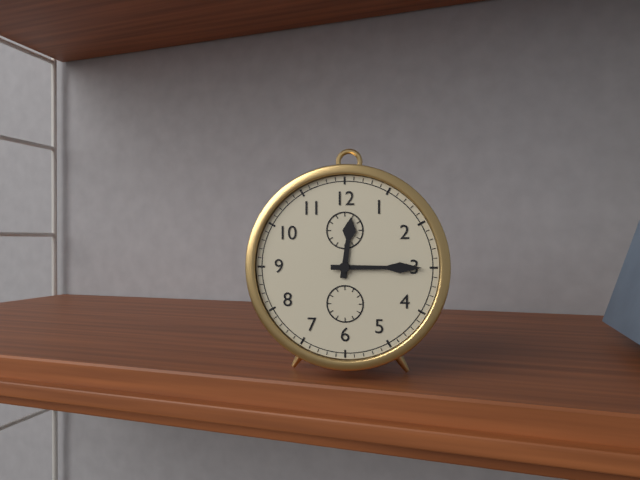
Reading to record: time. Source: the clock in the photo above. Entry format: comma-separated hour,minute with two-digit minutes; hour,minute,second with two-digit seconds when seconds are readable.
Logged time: 12,15
